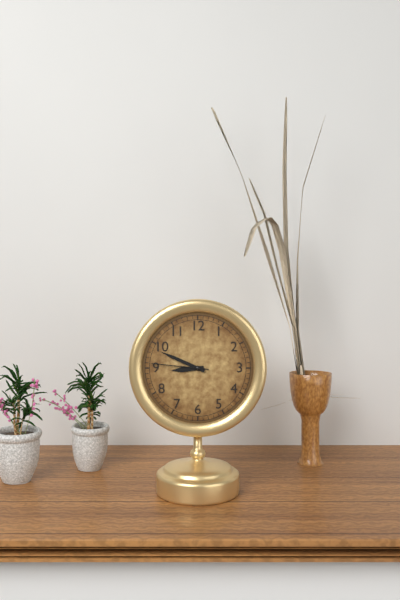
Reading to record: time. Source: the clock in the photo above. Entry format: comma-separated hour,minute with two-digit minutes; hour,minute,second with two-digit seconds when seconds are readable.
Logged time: 8,49,46
